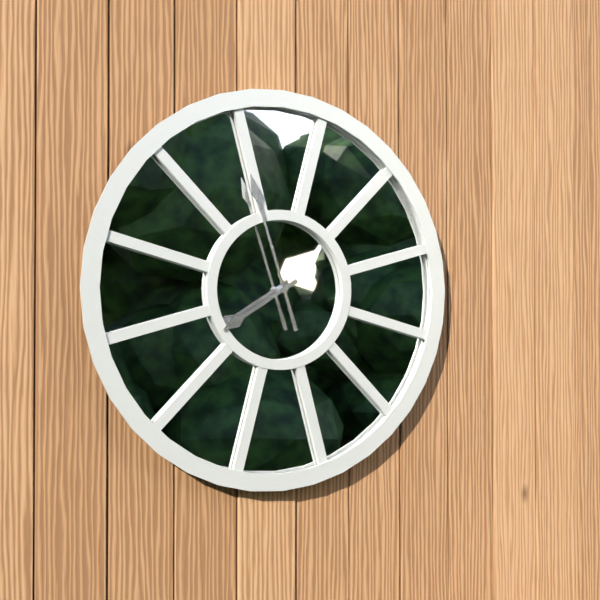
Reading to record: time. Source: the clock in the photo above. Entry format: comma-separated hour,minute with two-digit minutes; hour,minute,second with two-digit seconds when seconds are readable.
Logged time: 7,57
